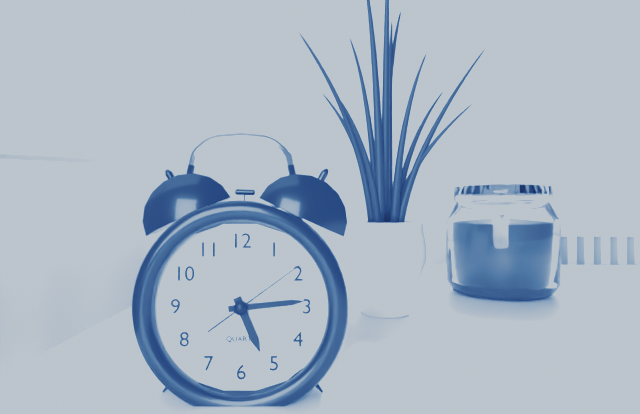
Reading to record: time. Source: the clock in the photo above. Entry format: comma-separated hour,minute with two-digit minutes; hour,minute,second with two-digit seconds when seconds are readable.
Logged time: 5,14,09
